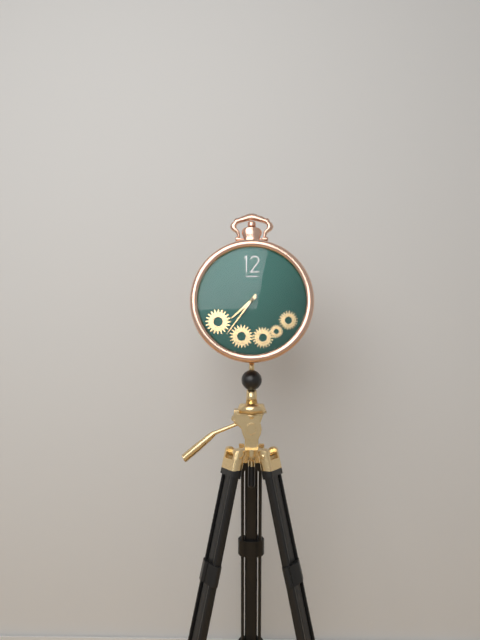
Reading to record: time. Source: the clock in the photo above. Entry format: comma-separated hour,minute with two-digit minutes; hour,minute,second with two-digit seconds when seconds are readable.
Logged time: 7,36
